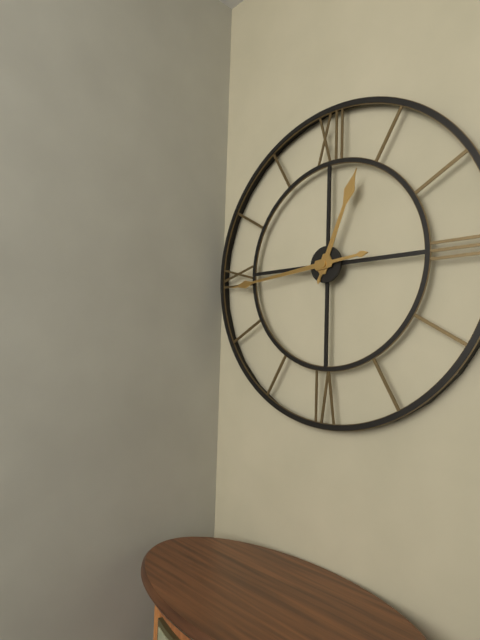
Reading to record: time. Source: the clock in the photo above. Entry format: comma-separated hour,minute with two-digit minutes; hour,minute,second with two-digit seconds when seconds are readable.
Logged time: 12,44
